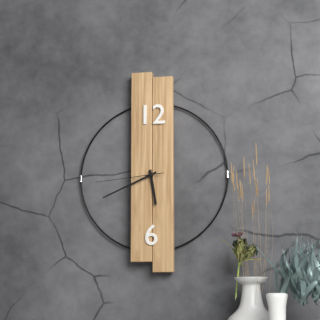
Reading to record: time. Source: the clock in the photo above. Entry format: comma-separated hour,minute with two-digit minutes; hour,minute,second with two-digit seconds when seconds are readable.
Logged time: 5,41,44
